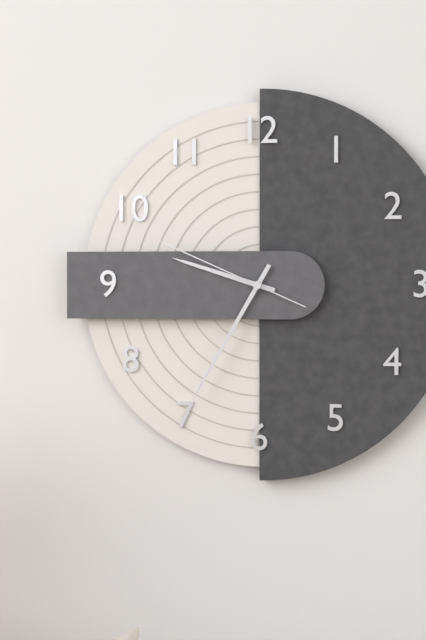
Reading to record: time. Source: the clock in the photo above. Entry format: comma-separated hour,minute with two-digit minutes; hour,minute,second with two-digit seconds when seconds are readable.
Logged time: 9,35,49
